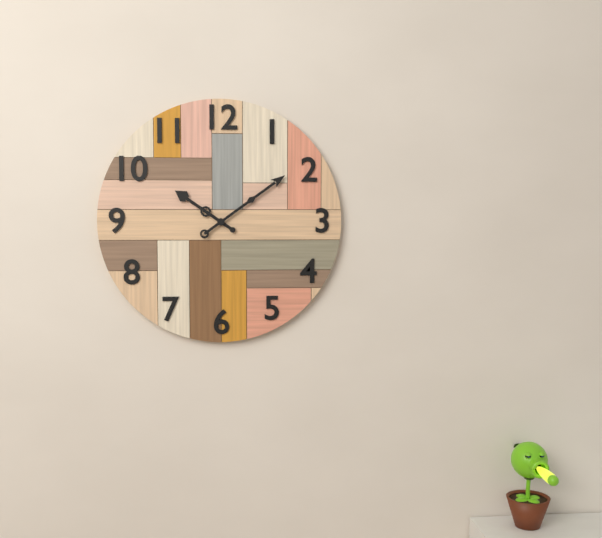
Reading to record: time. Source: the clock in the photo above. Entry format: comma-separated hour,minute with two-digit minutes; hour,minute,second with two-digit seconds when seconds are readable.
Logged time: 10,09
